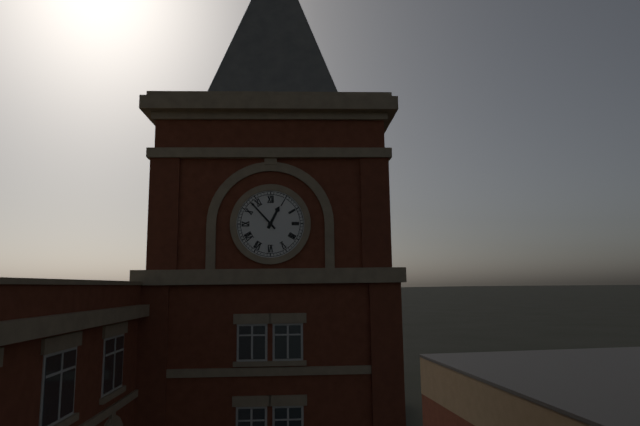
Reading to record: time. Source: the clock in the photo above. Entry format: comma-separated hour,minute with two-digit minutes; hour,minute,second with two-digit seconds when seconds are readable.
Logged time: 12,53
